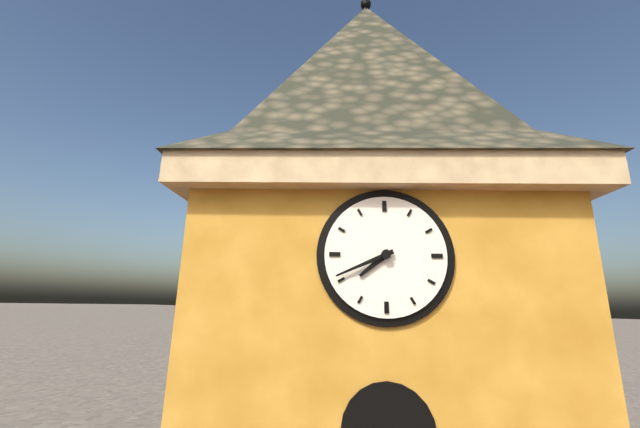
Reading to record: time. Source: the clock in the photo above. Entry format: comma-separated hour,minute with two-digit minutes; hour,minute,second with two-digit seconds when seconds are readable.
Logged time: 7,41
